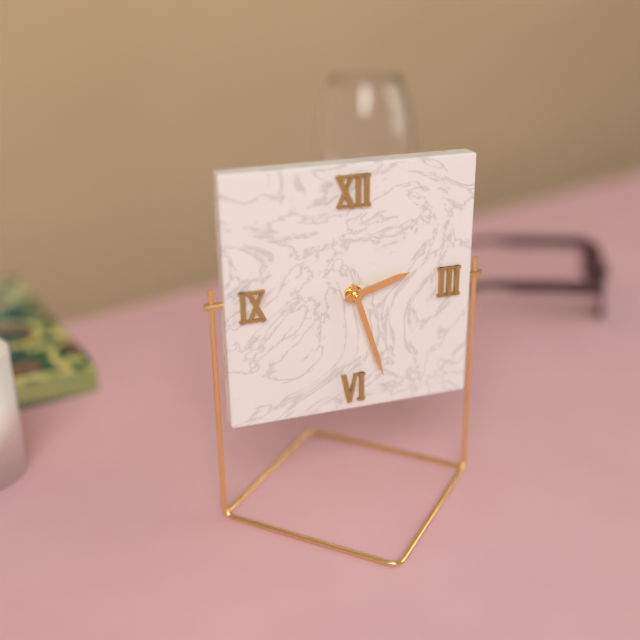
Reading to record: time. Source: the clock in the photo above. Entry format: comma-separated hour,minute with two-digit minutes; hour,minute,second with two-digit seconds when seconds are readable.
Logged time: 2,27
